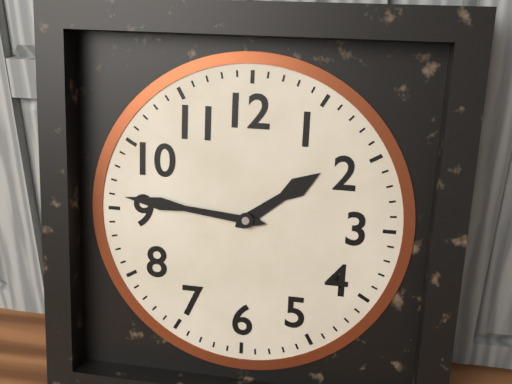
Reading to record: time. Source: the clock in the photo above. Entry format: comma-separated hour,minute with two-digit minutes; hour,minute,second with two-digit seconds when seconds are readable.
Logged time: 1,46
